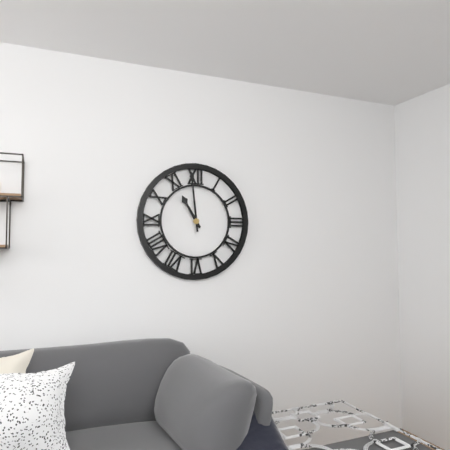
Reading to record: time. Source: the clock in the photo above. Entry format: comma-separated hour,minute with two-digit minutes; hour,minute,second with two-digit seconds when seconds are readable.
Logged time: 10,59
